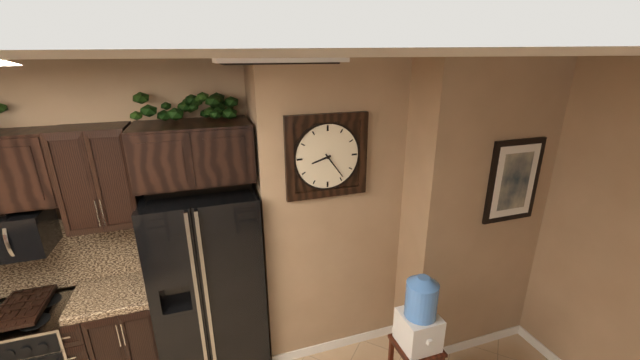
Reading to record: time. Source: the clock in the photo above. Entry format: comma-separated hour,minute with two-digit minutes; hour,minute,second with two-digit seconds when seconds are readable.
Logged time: 8,24
